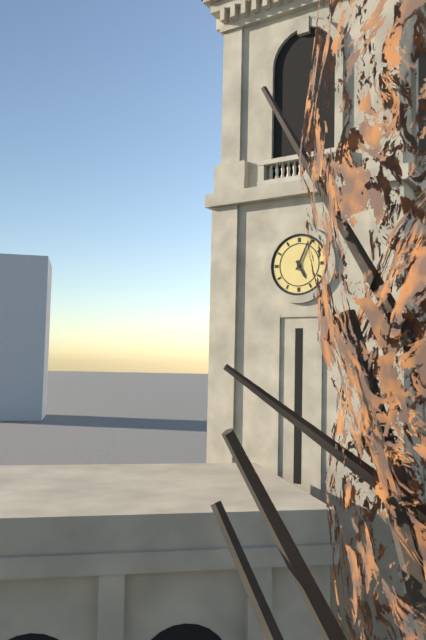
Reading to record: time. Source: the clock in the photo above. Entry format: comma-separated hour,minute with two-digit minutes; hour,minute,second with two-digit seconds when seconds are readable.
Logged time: 5,04
